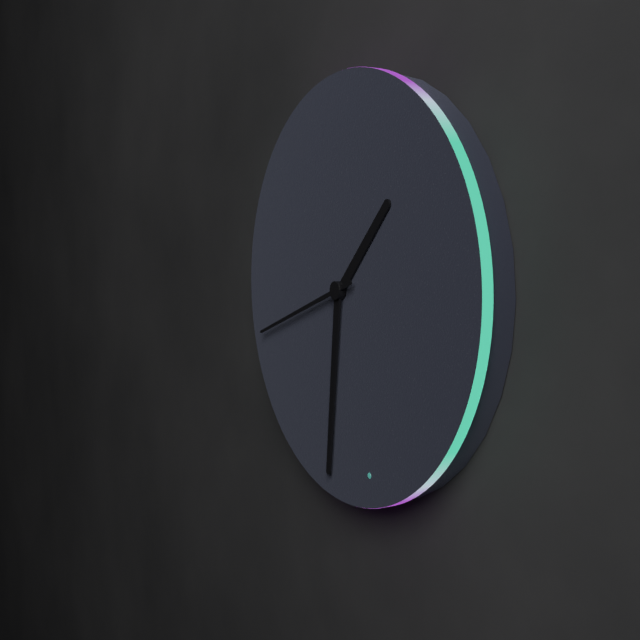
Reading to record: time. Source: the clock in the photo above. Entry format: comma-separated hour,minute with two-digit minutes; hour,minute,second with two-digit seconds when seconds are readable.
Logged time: 1,31,42
